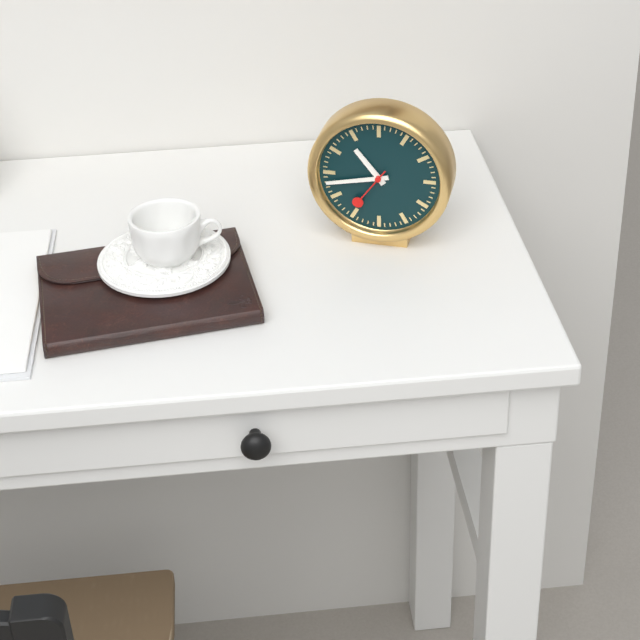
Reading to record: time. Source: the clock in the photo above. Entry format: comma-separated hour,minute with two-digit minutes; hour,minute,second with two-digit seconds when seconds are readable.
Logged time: 10,43,36
